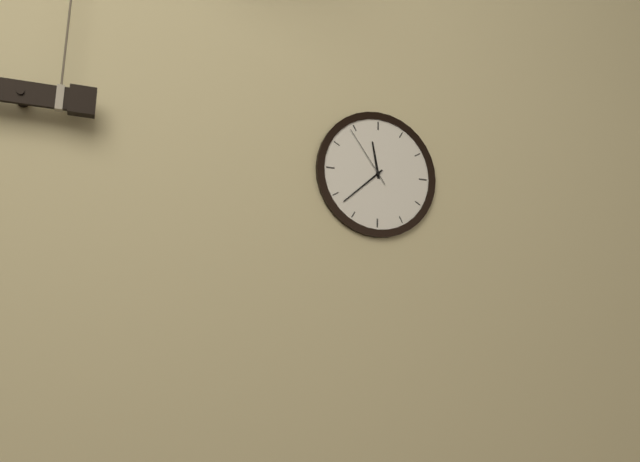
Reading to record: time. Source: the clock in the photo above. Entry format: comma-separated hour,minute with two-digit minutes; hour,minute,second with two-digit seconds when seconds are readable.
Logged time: 11,38,54
